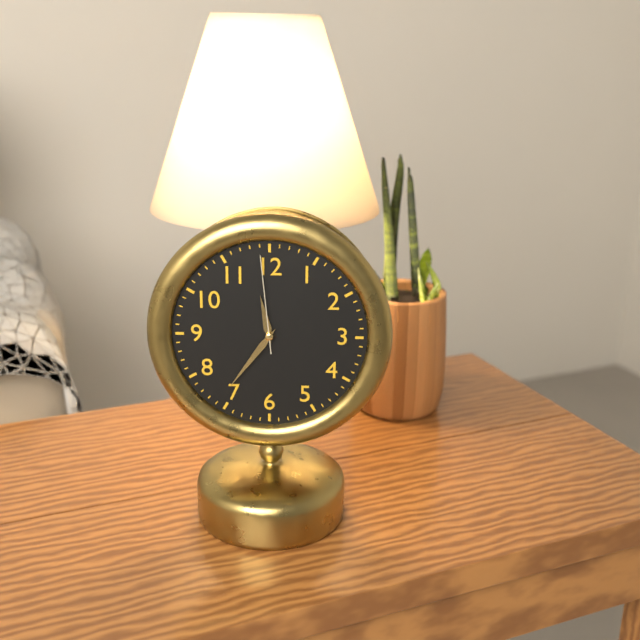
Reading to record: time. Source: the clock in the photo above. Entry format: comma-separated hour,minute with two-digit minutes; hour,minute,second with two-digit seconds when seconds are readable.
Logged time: 11,36,59
